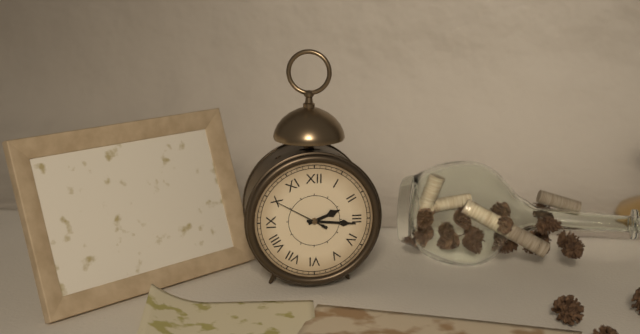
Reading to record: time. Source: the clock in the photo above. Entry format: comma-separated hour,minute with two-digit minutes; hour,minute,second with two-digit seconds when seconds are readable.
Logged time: 2,16,50
